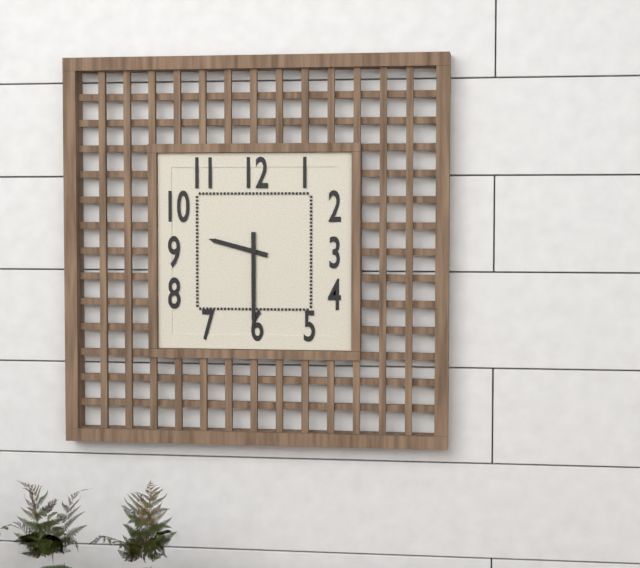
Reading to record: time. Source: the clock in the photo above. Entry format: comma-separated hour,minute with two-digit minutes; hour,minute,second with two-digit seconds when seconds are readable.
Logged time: 9,30
